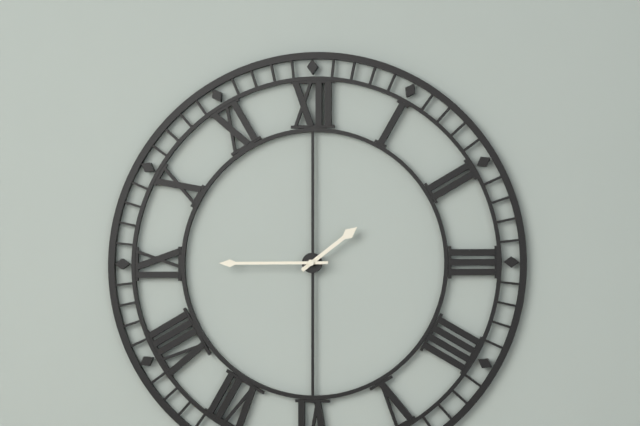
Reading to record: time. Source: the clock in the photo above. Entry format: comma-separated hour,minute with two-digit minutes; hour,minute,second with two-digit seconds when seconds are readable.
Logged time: 1,45
